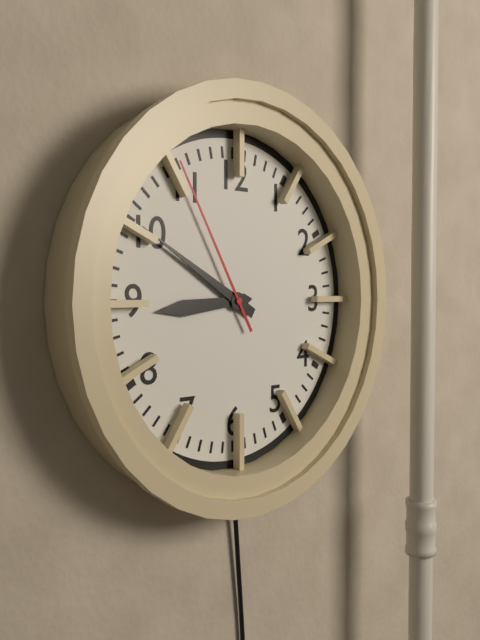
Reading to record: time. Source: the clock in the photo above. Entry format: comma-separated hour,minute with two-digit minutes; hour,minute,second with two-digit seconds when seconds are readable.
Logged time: 8,50,55
